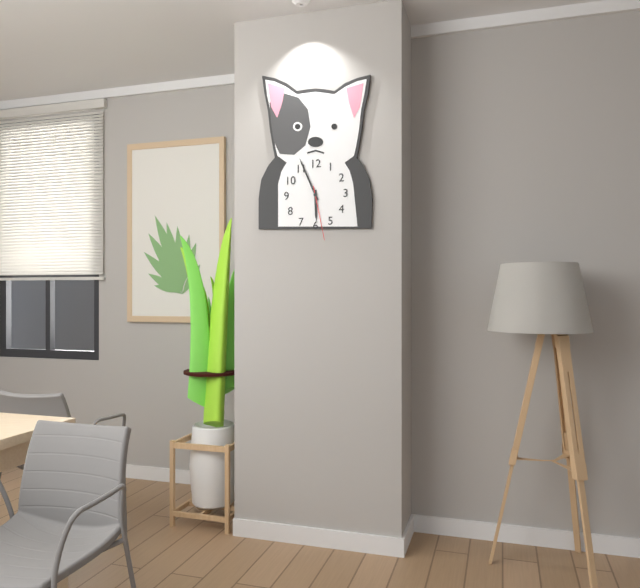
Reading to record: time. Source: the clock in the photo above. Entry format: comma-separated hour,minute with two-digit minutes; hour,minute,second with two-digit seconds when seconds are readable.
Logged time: 5,56,28
